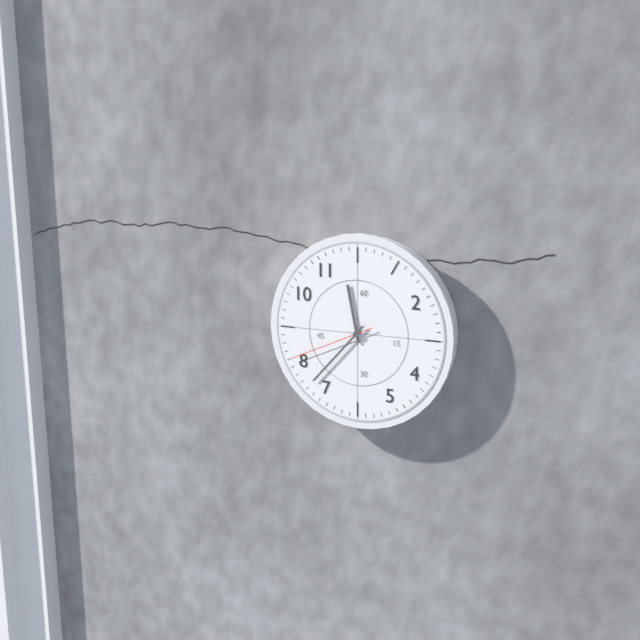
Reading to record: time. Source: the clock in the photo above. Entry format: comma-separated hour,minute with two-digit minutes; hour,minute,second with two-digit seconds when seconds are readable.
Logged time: 11,37,41
